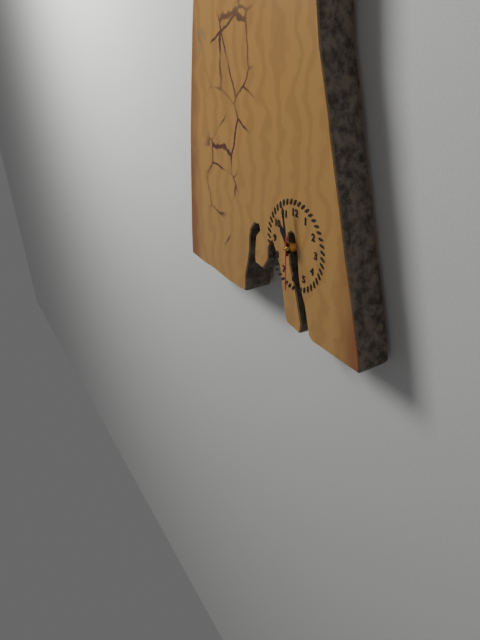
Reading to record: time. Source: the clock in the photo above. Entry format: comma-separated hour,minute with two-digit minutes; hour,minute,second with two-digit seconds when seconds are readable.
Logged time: 10,58,30
